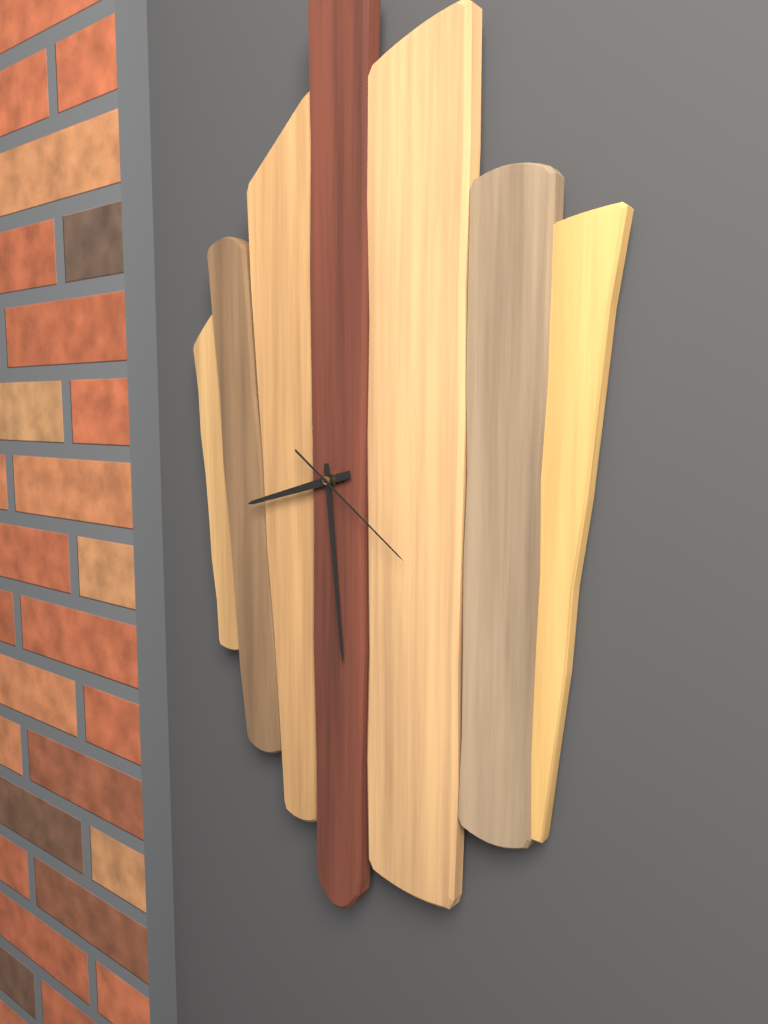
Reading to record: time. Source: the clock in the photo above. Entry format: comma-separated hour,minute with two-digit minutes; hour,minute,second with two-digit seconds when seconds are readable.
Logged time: 8,29,21
